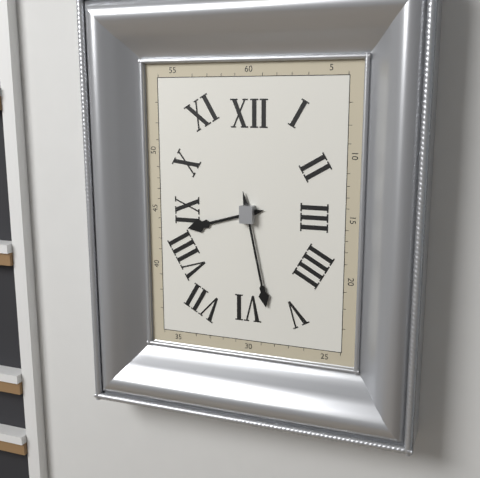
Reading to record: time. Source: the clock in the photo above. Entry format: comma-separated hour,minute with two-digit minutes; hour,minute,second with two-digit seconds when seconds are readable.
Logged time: 8,28
